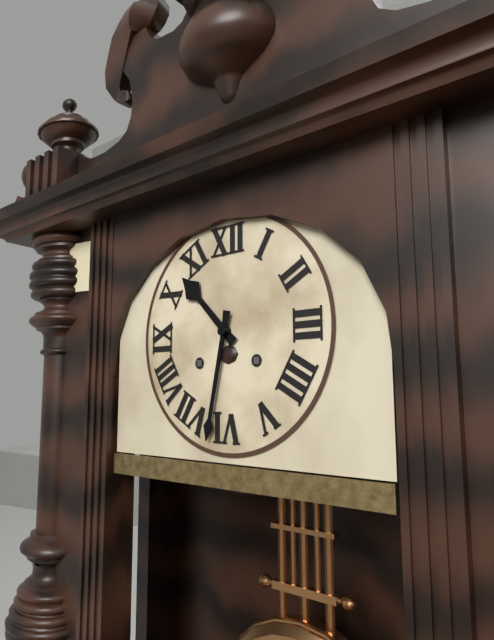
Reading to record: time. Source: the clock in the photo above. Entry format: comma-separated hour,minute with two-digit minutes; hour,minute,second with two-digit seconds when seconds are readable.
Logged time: 10,32
